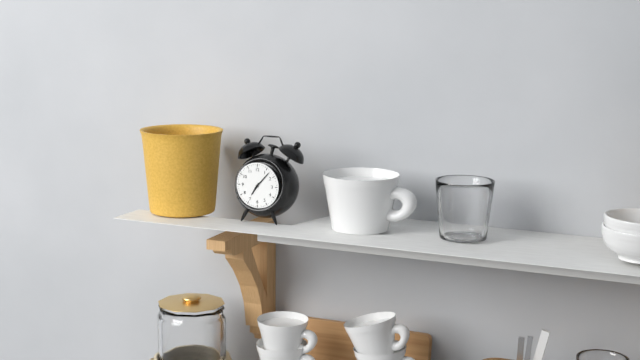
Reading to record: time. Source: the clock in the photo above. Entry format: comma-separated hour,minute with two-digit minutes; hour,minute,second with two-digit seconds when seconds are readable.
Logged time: 7,07
